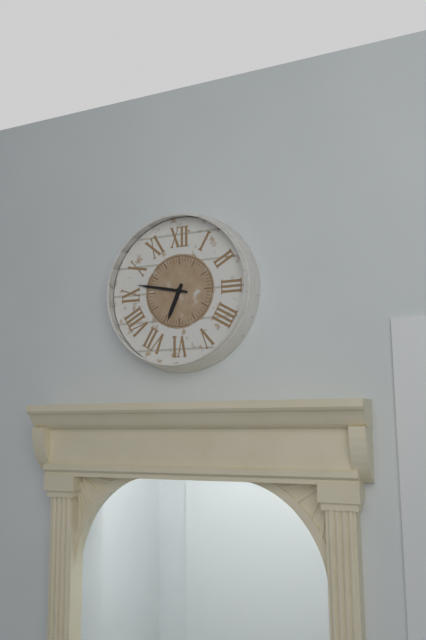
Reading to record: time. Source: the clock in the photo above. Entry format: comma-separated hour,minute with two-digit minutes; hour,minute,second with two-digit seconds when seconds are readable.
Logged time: 6,47
